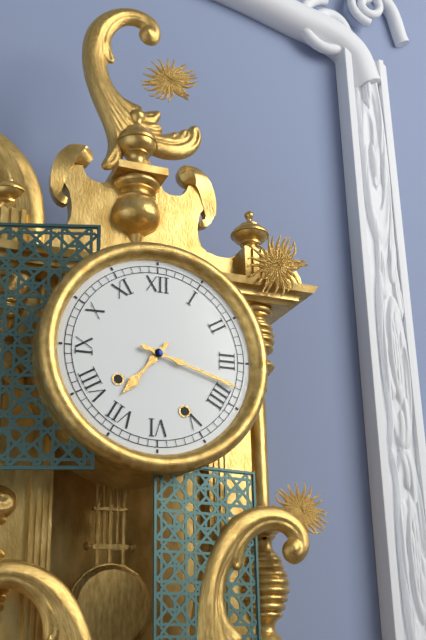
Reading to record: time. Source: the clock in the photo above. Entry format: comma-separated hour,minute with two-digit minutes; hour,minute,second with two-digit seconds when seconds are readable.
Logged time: 7,18
